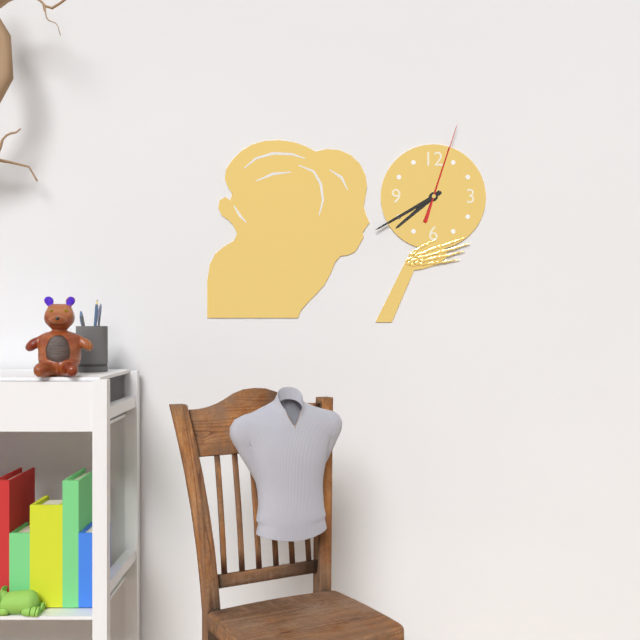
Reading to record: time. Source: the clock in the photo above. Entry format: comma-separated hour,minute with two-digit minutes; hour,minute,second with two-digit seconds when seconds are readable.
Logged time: 7,40,03
